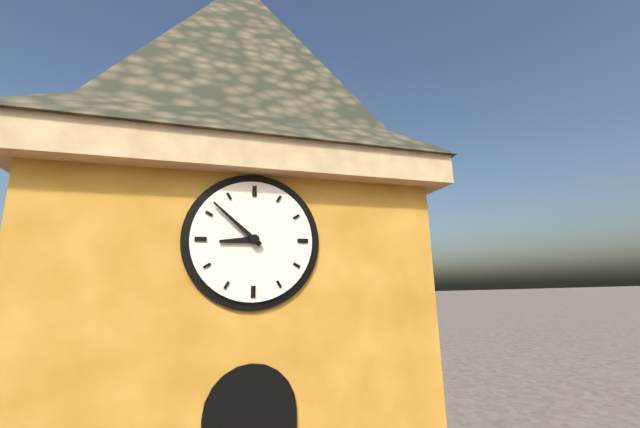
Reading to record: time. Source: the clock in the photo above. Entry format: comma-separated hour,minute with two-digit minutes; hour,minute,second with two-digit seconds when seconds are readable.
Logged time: 8,52
